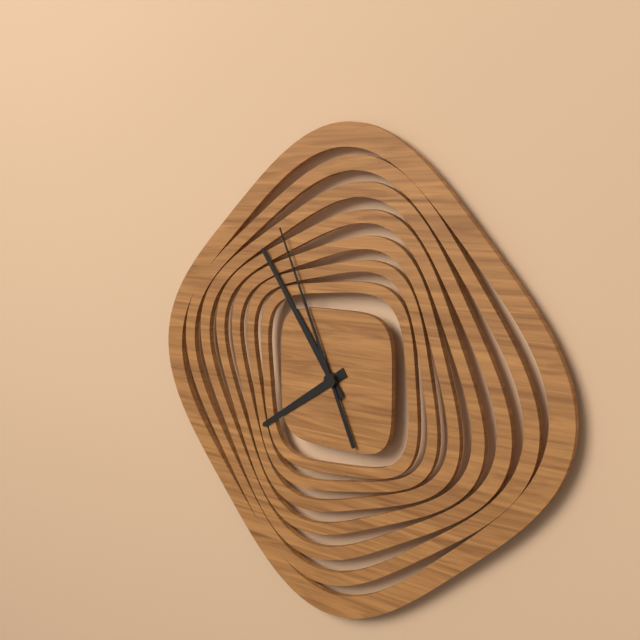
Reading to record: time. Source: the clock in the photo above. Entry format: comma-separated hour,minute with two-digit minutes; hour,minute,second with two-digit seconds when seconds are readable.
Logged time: 7,54,56
